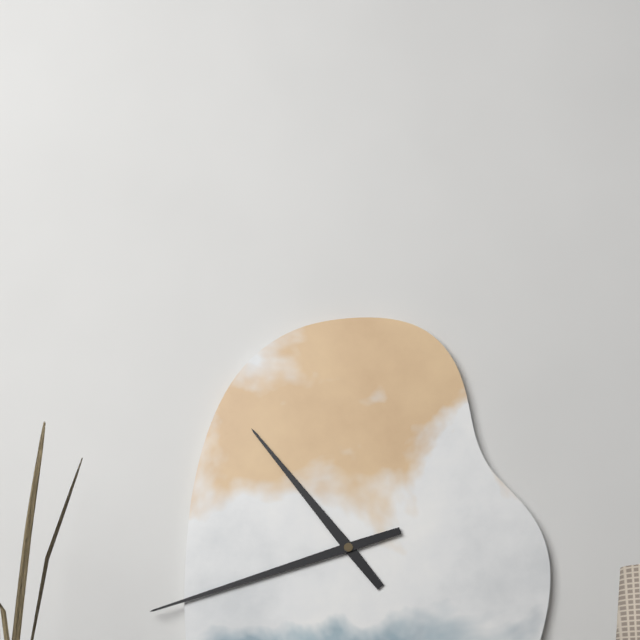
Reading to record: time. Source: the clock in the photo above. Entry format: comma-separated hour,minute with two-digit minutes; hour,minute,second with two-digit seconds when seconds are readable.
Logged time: 10,42
